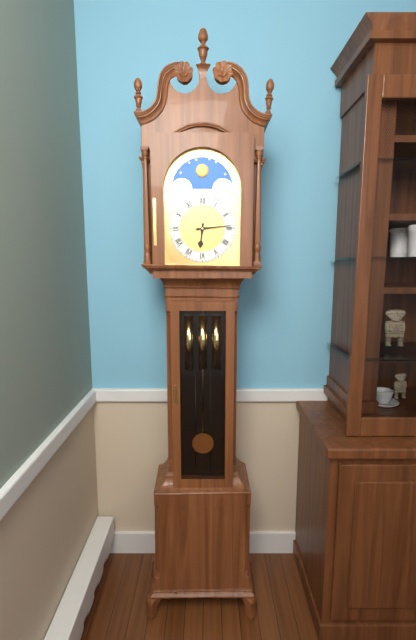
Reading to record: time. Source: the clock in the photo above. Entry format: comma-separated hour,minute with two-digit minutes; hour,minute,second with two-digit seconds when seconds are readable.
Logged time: 6,14
